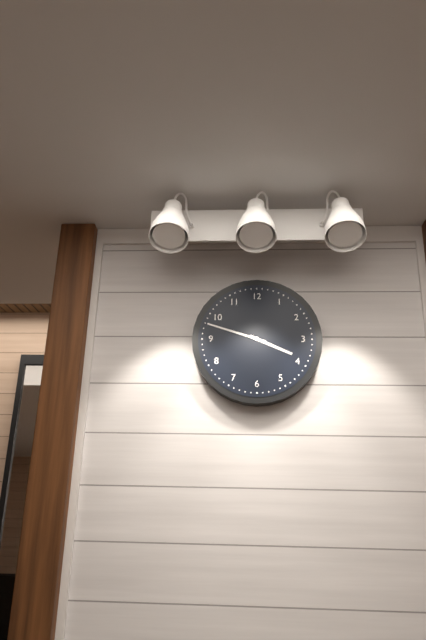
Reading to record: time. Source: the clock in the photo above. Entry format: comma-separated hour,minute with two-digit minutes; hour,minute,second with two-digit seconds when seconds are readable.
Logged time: 3,48
